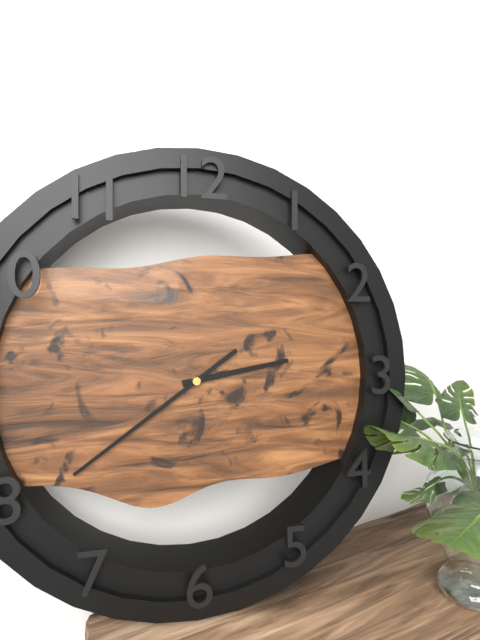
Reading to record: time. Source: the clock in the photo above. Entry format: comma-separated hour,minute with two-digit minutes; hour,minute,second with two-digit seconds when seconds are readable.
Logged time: 2,39
